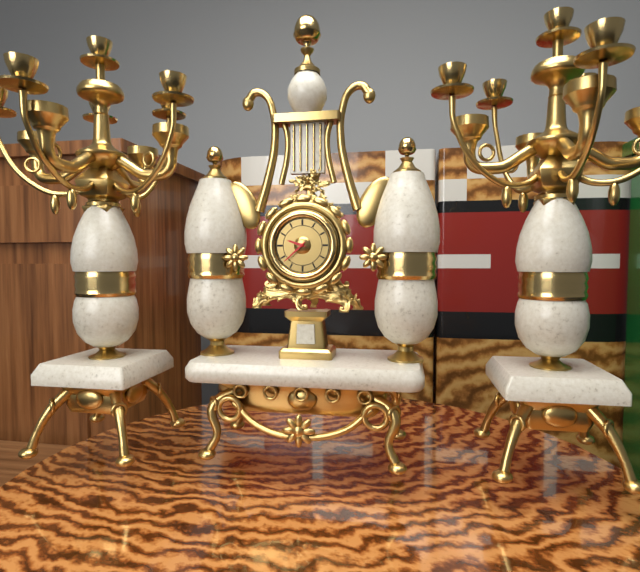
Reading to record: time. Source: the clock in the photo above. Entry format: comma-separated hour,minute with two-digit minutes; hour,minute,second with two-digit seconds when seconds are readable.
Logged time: 9,38
